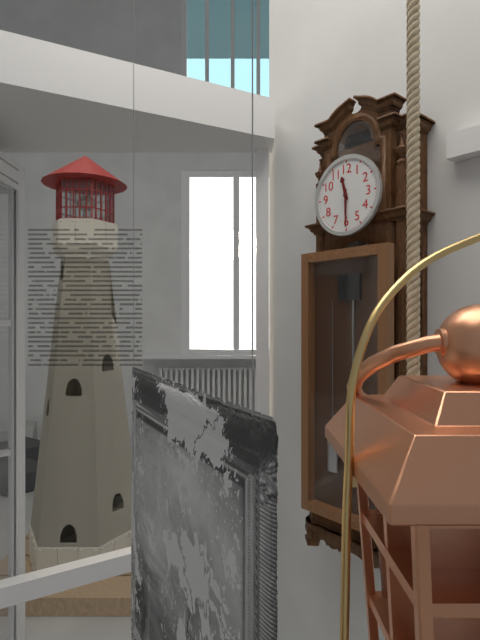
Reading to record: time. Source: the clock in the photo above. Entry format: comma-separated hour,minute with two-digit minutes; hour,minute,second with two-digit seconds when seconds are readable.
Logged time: 11,30
